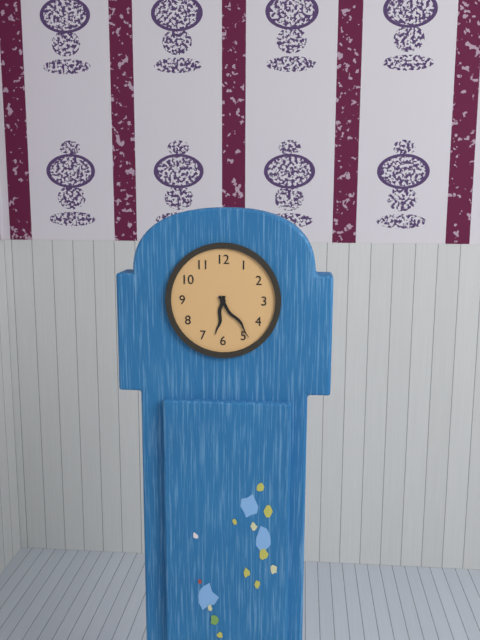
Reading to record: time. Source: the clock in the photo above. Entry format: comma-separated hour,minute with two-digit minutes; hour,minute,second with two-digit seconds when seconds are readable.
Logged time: 6,24
